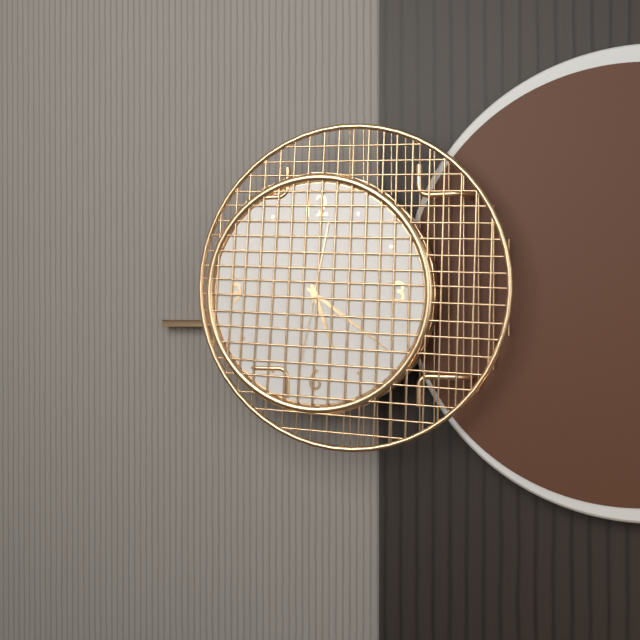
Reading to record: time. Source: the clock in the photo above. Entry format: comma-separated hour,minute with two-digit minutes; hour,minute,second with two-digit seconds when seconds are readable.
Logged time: 5,21,02
